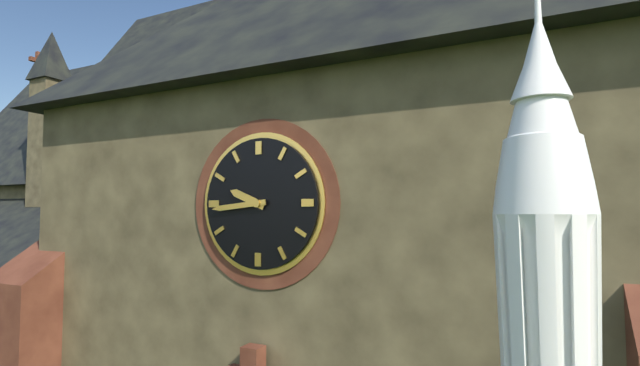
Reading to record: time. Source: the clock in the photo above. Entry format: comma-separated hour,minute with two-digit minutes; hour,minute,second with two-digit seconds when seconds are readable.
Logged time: 9,44
